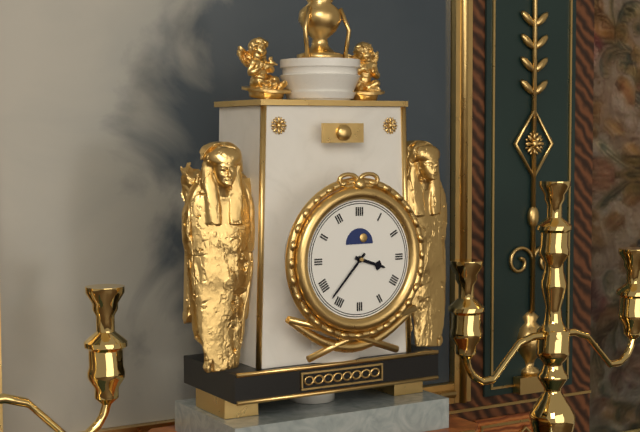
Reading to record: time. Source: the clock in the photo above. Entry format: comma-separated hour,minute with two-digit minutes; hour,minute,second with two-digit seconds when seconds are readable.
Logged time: 3,37
